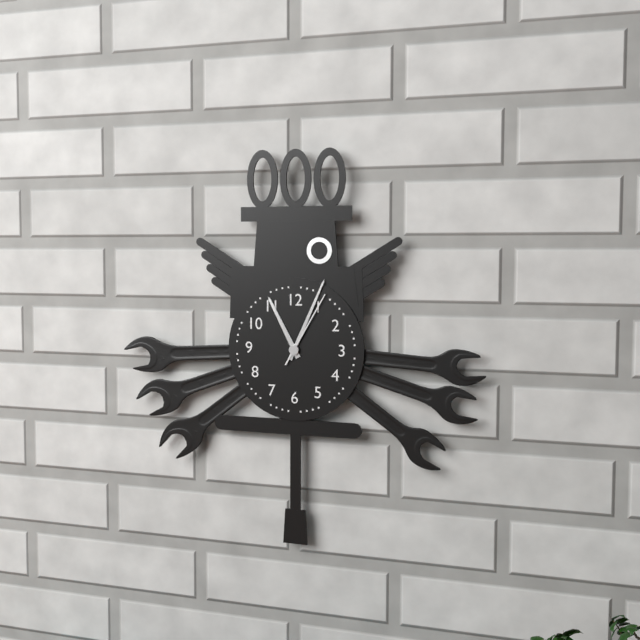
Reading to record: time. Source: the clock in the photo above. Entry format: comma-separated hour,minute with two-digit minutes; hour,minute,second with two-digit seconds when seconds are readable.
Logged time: 11,04,05
